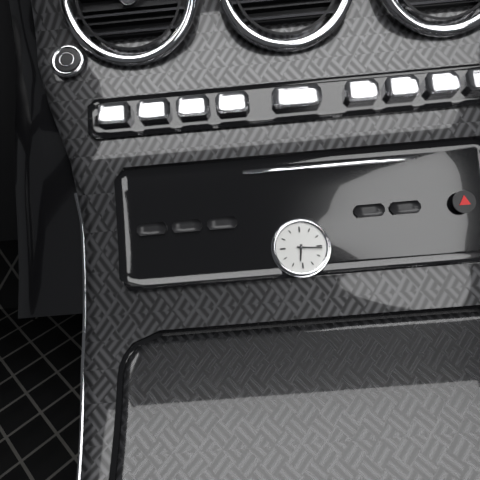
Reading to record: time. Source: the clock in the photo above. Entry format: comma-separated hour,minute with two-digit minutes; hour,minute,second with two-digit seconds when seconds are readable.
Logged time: 6,16
